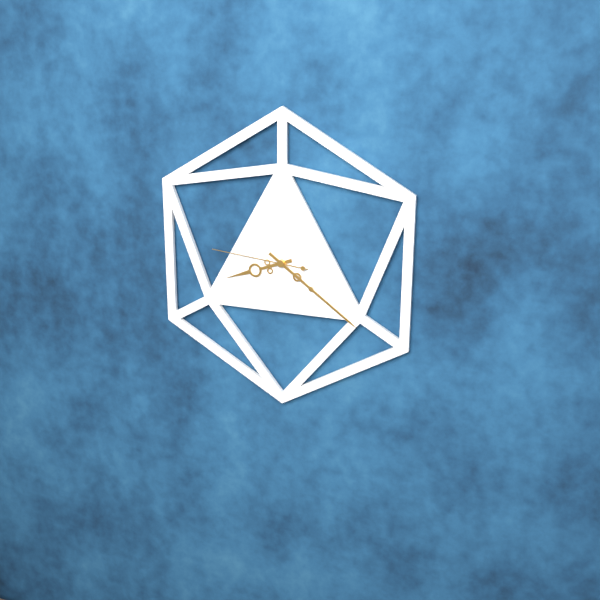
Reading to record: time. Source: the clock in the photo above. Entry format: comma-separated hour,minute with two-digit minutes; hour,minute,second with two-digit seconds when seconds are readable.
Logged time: 8,21,46
